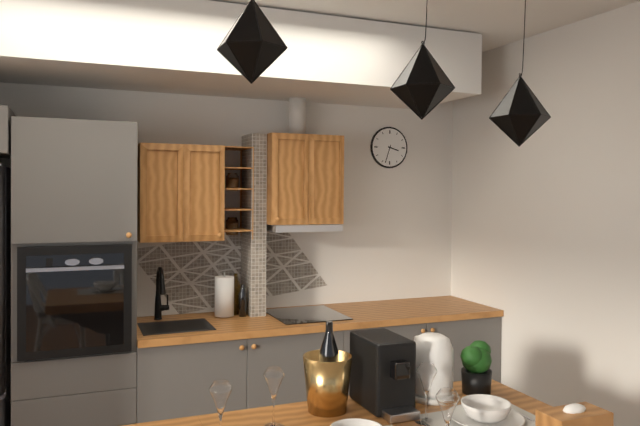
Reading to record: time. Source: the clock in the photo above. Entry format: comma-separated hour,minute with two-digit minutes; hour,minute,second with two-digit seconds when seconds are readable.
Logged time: 3,33
